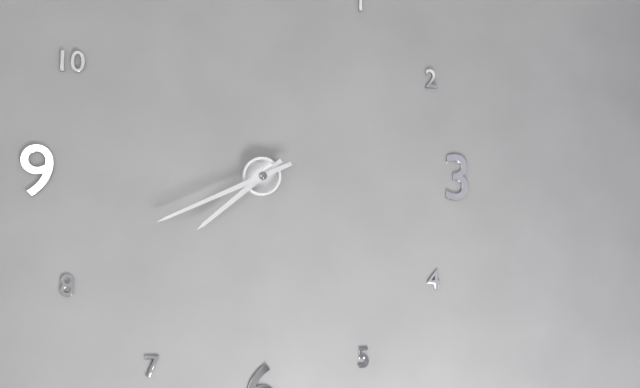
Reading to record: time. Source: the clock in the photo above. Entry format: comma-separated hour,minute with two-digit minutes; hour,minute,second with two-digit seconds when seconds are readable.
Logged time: 7,41
